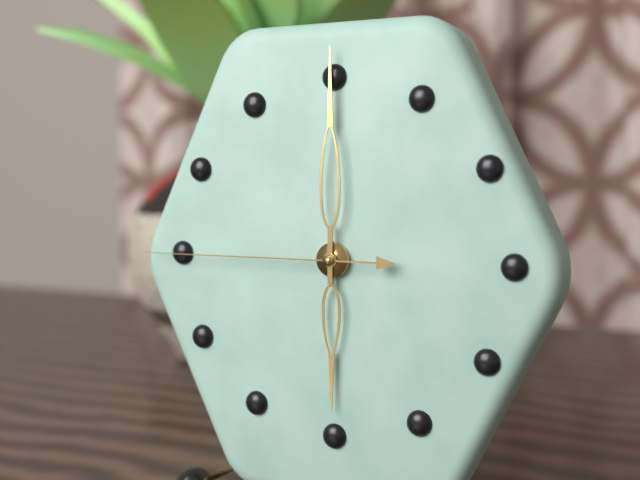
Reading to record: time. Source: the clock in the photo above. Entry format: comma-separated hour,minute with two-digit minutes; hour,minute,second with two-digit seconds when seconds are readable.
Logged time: 6,00,45
